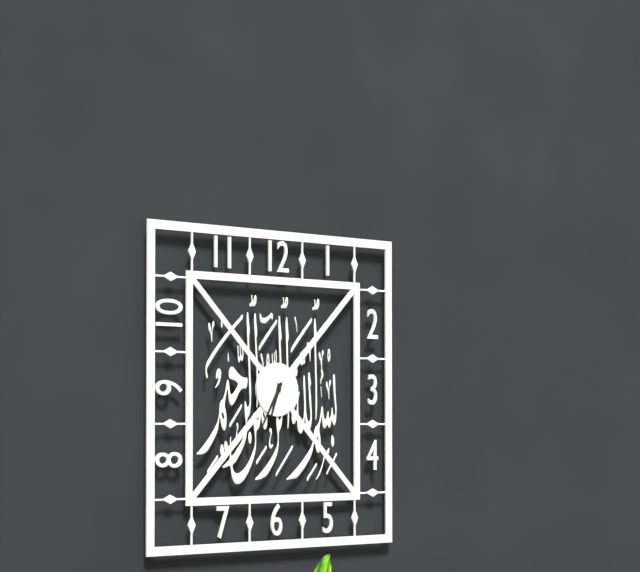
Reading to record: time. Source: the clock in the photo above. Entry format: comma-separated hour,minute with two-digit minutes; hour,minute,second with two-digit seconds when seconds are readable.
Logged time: 6,35
